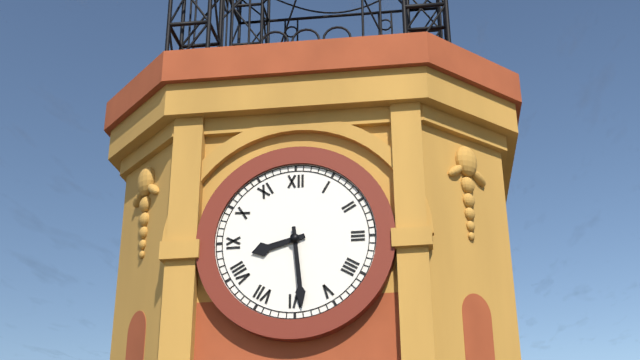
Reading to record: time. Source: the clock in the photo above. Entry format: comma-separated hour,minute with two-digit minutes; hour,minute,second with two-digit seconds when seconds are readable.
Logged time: 8,29
